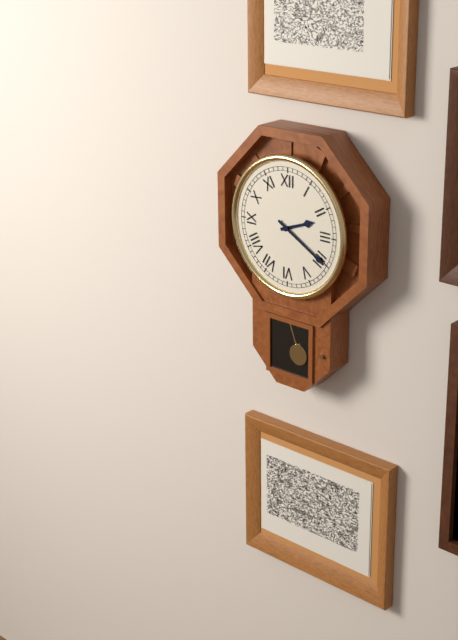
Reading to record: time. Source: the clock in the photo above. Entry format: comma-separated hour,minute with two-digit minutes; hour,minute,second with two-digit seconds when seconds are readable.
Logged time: 2,20
